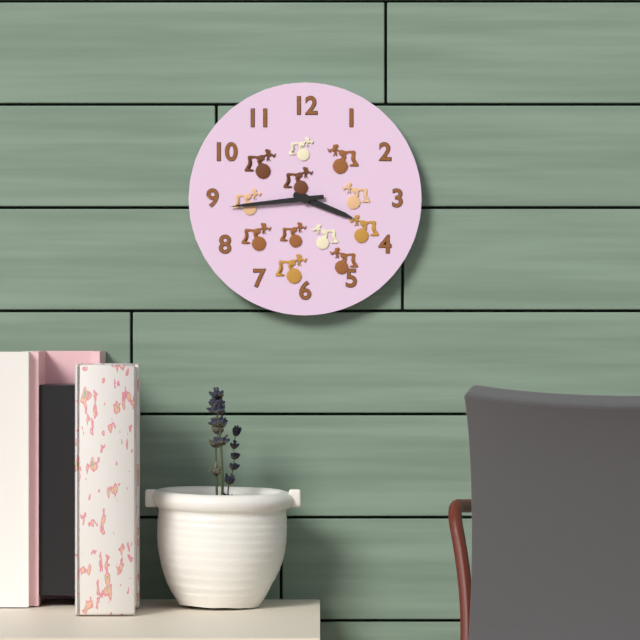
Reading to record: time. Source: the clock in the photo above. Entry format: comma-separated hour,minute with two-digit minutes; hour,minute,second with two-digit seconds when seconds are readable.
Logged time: 3,44
